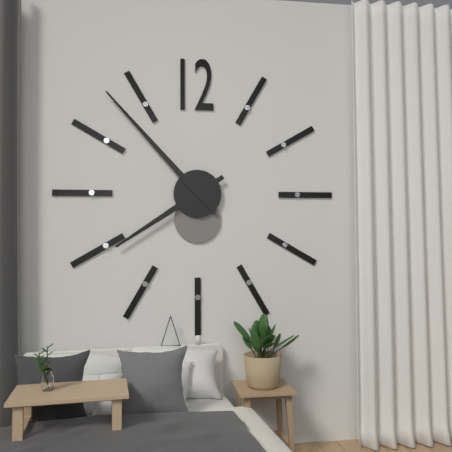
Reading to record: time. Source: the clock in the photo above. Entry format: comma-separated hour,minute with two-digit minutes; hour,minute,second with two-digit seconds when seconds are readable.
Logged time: 7,53
